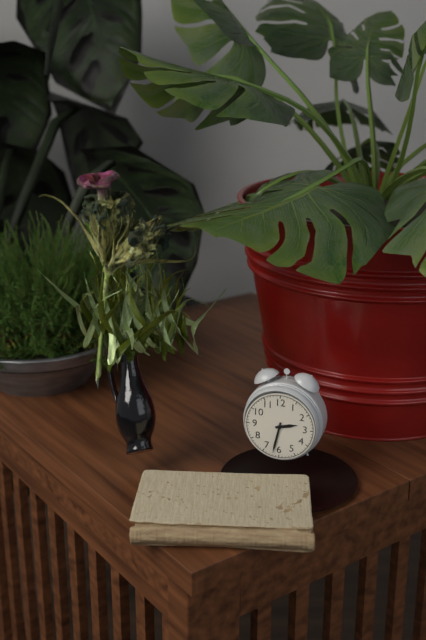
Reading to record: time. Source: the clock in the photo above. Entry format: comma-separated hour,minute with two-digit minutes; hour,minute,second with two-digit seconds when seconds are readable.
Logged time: 2,32
